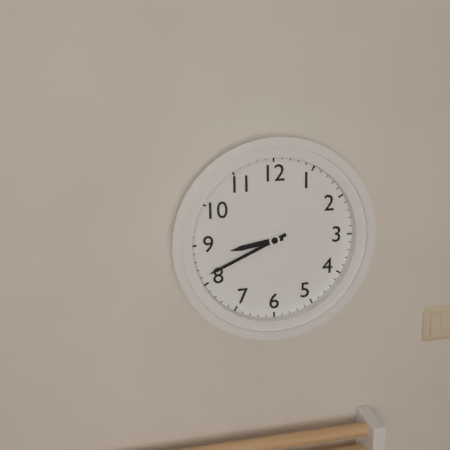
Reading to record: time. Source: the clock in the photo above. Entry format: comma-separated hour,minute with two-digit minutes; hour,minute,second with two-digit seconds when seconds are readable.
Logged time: 8,41
